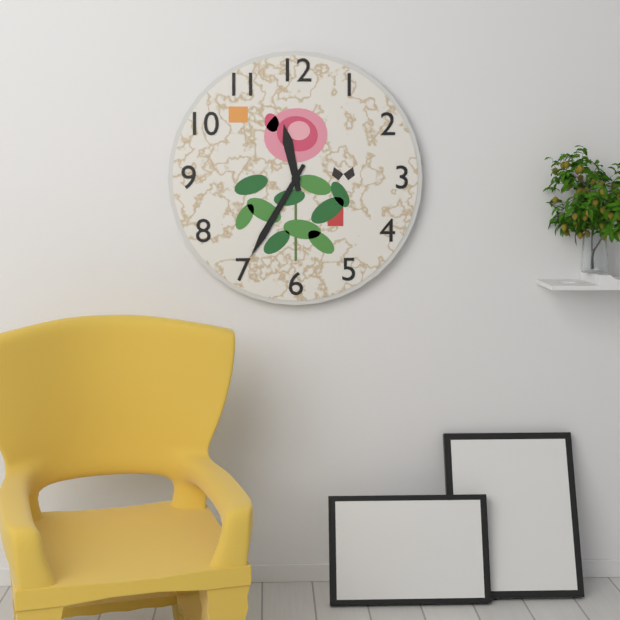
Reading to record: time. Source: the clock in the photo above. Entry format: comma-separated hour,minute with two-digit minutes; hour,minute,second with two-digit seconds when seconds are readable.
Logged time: 11,35
